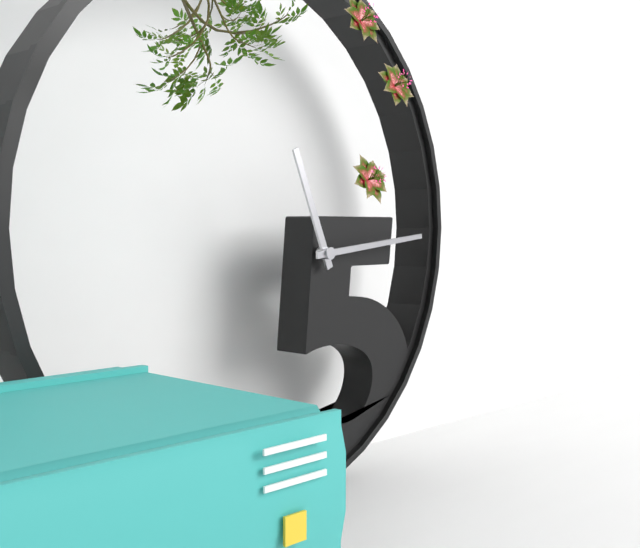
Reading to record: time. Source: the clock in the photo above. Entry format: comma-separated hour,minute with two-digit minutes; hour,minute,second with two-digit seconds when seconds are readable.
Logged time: 11,14
